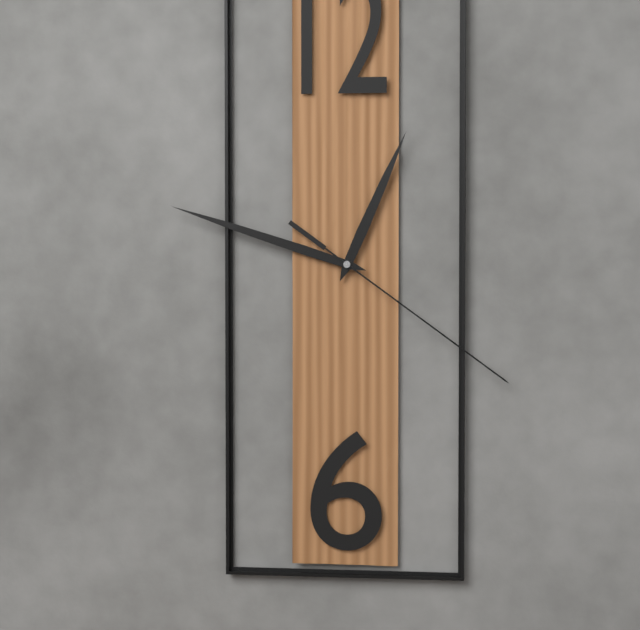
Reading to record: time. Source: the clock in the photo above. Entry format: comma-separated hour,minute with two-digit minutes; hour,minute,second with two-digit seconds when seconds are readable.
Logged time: 12,48,21
